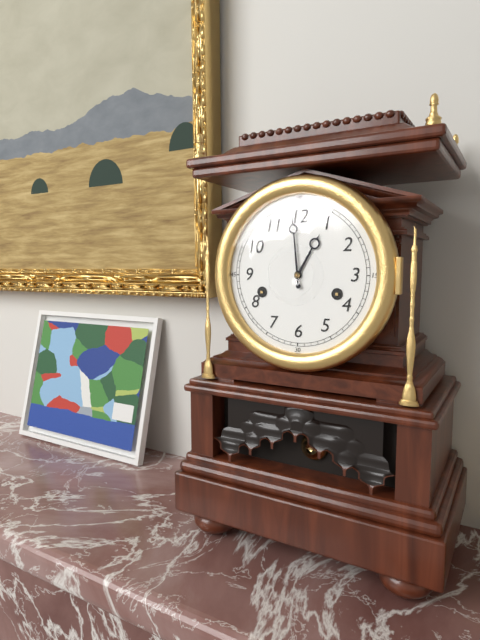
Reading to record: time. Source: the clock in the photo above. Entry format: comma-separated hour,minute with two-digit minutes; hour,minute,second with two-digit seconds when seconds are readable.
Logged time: 12,59
